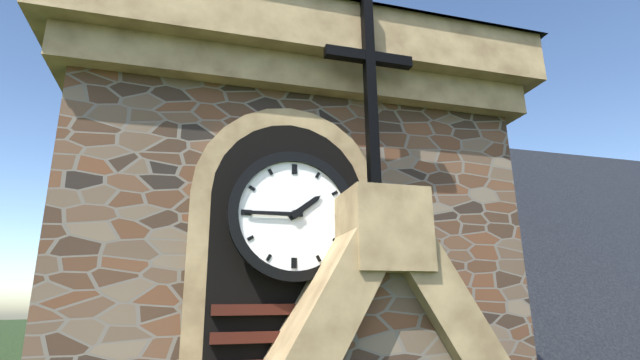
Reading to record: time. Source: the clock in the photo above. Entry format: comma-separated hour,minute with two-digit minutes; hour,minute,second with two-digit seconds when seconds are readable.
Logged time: 1,45
